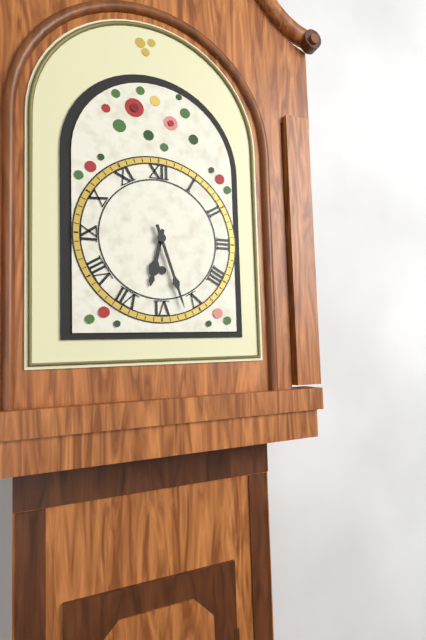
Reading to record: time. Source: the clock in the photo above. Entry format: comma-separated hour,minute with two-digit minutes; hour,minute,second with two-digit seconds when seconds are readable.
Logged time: 6,27
